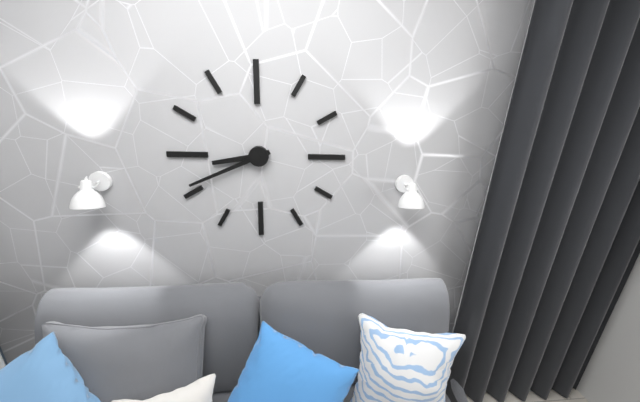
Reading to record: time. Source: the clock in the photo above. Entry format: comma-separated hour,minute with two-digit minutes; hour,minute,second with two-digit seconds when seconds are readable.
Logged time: 8,41
